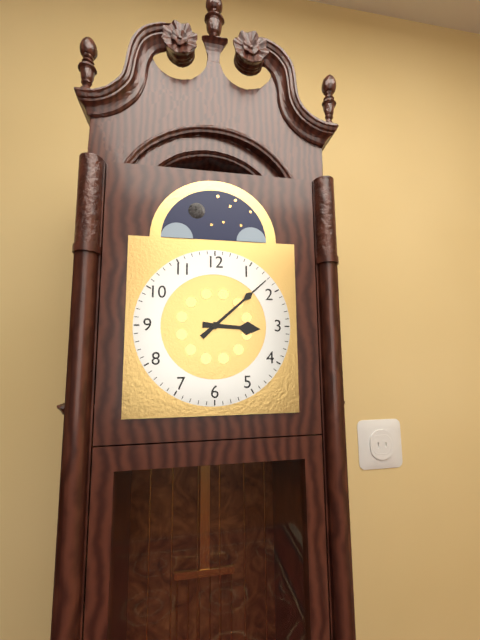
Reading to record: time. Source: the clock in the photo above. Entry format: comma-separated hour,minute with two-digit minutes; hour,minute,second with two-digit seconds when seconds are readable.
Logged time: 3,08
